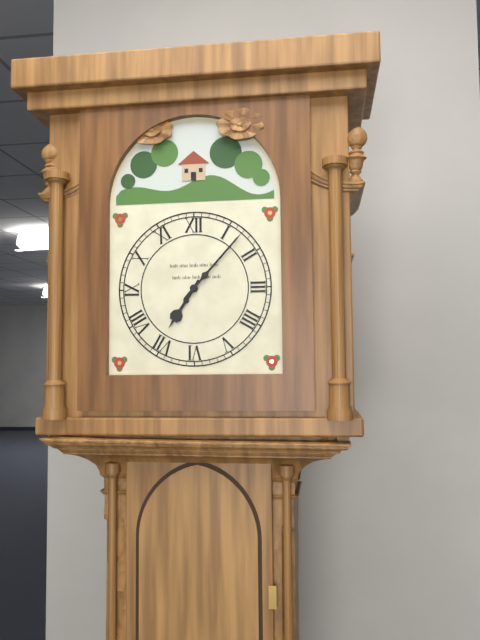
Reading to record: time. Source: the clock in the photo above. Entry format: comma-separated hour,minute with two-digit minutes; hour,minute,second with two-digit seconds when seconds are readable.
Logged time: 7,07
